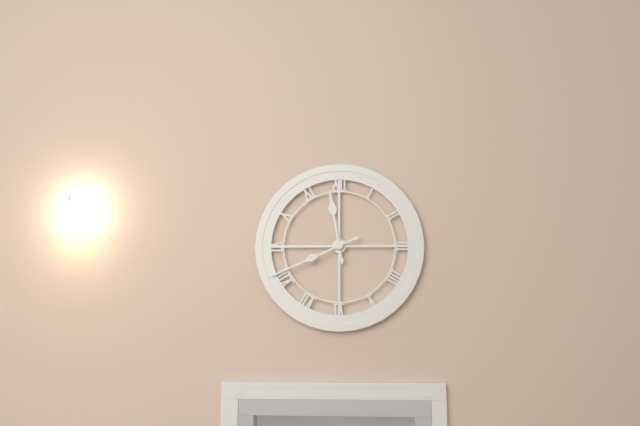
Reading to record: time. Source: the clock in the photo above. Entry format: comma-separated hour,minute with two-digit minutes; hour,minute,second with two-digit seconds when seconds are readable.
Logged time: 11,41
